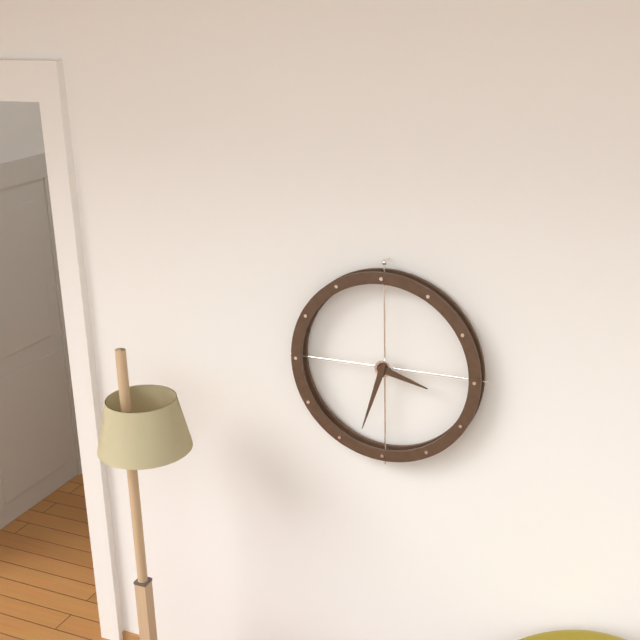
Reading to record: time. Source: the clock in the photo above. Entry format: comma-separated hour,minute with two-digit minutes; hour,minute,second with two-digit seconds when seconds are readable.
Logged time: 3,33
